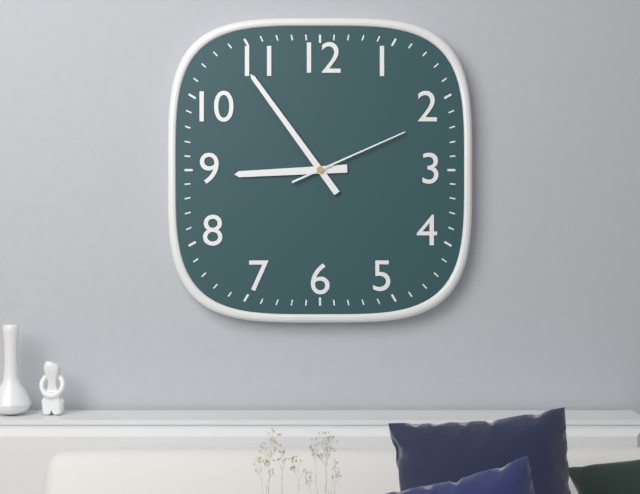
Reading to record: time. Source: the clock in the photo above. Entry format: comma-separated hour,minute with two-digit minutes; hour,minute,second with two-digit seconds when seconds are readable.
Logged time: 8,54,11
